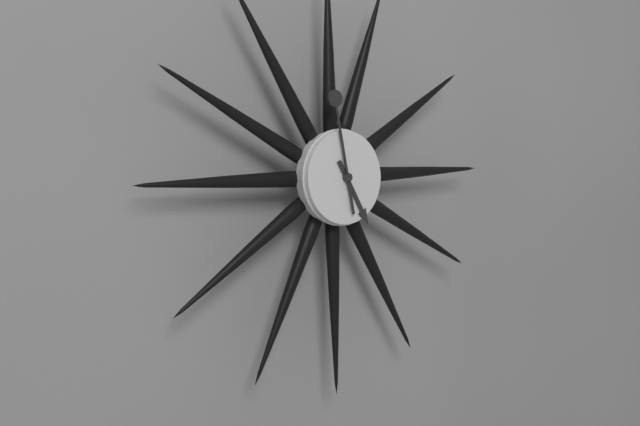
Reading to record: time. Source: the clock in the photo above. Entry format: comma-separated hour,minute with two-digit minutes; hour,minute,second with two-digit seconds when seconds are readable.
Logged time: 4,58
